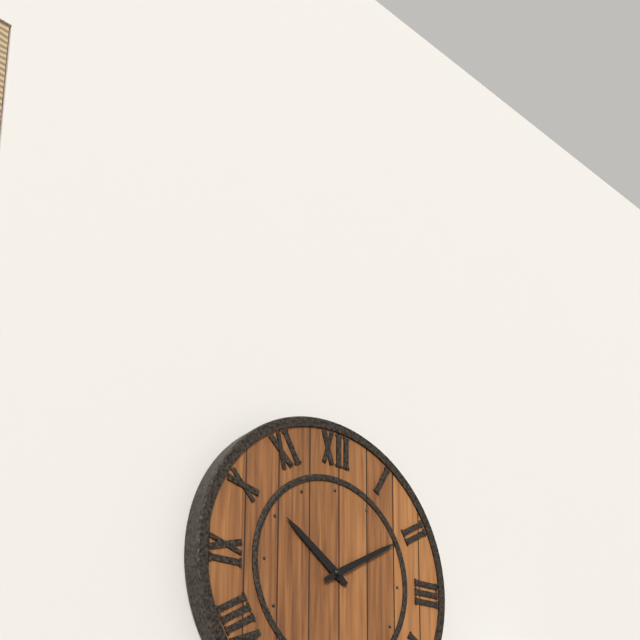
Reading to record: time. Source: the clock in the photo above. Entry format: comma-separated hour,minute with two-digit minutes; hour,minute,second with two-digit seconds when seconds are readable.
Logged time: 10,10
